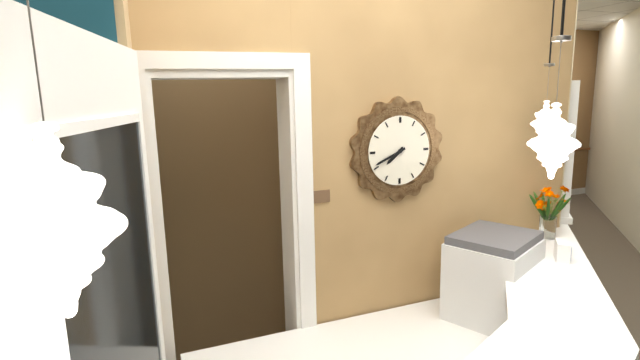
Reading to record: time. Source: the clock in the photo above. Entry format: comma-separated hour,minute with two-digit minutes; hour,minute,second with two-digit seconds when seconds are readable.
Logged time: 7,41
